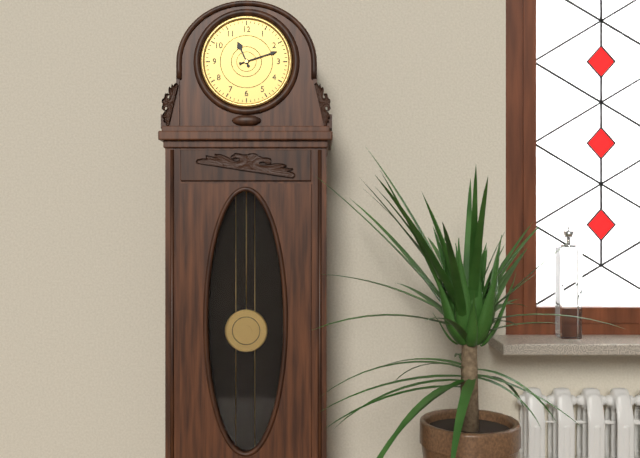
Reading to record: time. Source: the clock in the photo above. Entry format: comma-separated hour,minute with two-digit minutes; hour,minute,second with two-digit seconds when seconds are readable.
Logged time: 11,12
